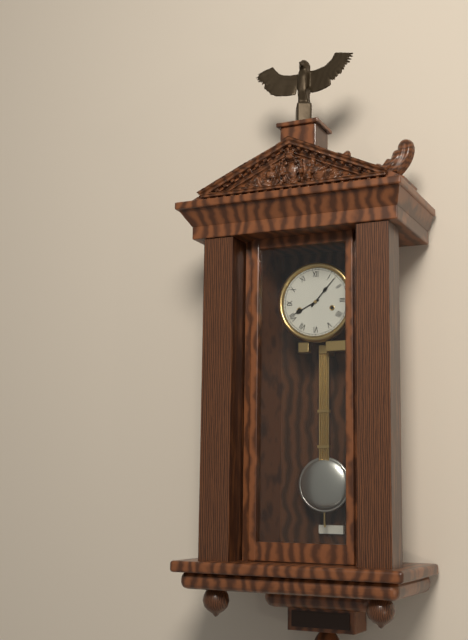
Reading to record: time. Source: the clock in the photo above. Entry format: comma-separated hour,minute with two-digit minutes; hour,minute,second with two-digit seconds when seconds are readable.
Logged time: 8,07
